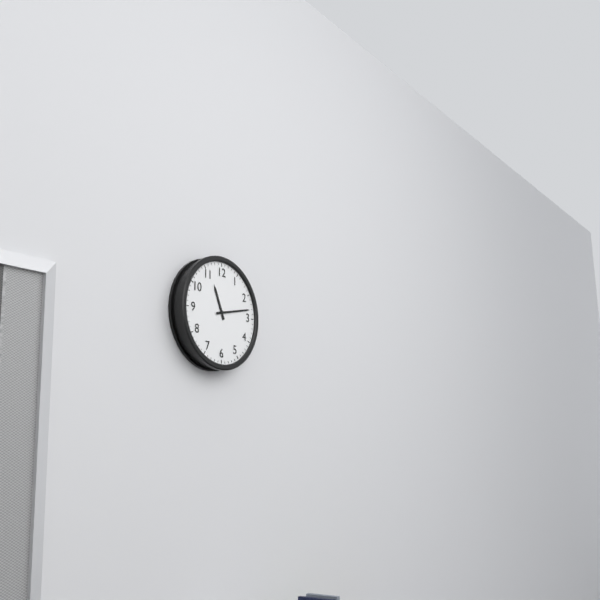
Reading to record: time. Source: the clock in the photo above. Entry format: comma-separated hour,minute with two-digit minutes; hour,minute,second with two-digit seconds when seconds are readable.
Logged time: 11,13
